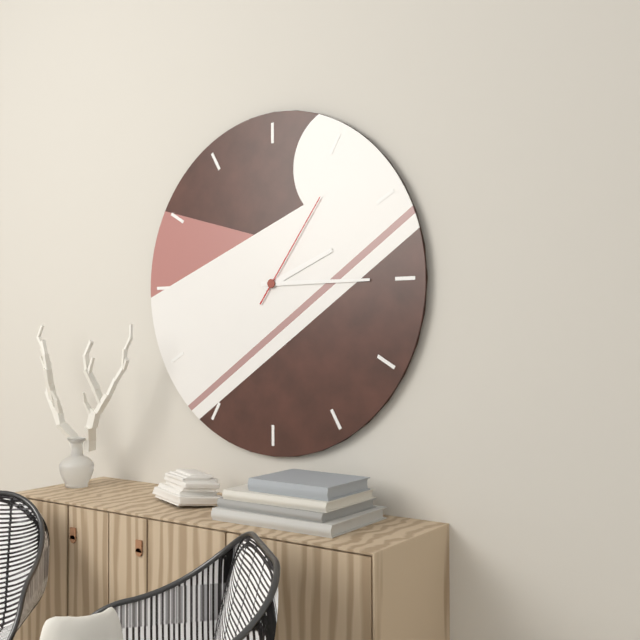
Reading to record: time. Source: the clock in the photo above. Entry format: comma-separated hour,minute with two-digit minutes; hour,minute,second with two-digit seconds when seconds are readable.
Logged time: 2,15,06
